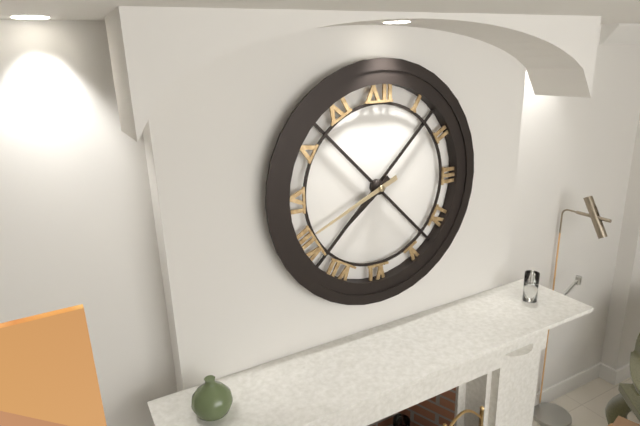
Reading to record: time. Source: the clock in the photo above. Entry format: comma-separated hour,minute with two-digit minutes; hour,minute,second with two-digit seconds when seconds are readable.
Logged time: 7,41
